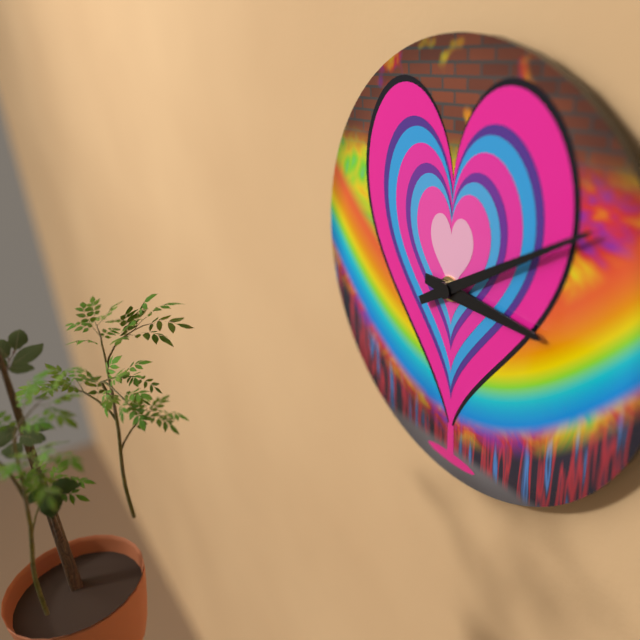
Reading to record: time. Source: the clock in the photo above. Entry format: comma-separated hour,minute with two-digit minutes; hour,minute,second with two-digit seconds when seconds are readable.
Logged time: 3,10
